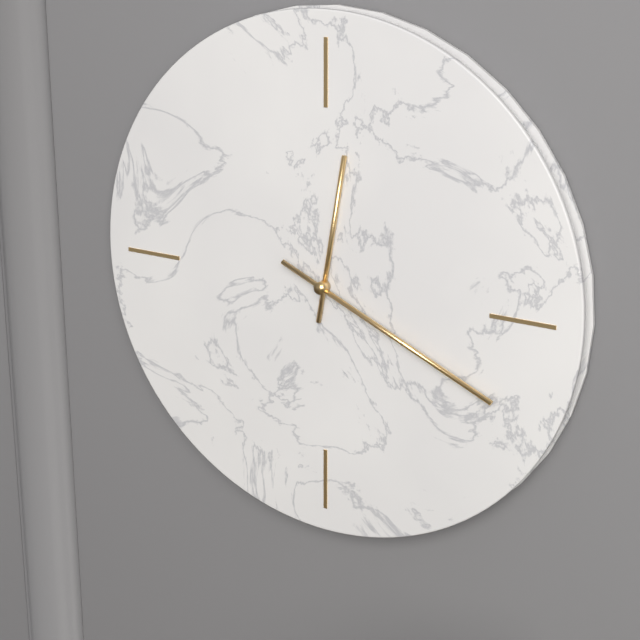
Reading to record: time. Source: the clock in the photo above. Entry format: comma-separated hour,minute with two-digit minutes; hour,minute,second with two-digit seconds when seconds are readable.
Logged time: 12,19
